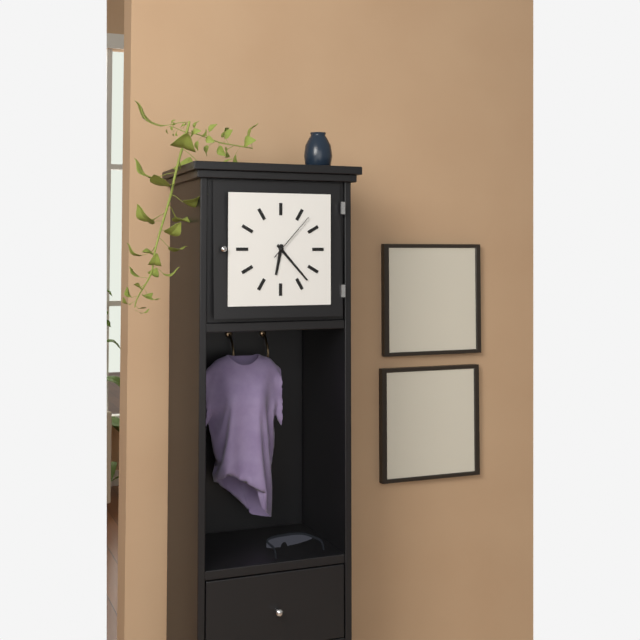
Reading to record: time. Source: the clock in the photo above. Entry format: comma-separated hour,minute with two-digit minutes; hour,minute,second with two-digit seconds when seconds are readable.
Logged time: 6,23,07
